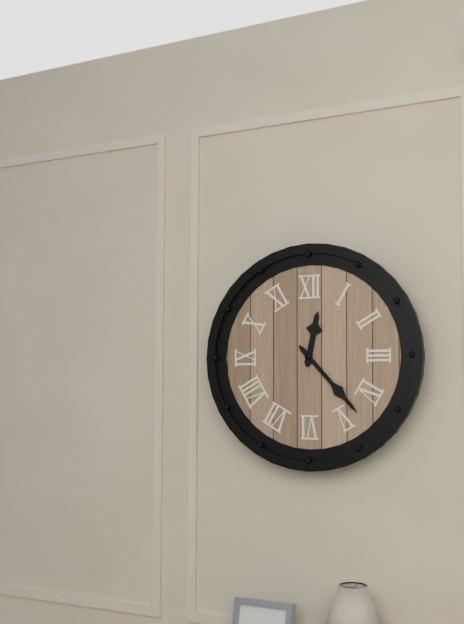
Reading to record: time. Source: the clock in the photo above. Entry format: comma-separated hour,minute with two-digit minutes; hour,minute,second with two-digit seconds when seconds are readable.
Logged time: 12,23
